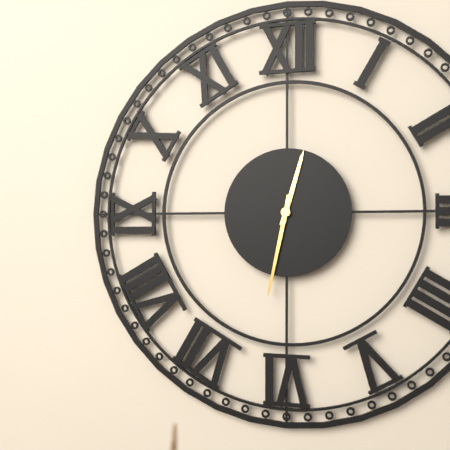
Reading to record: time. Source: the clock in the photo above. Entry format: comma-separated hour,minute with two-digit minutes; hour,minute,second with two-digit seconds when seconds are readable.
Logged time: 12,32
